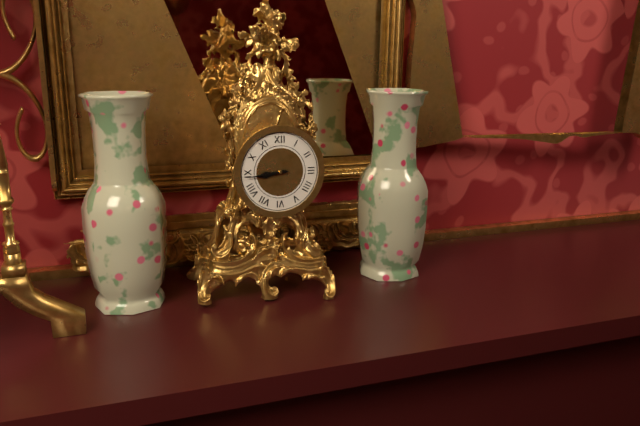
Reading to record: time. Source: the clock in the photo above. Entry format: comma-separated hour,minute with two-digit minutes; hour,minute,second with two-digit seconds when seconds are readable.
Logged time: 8,44
